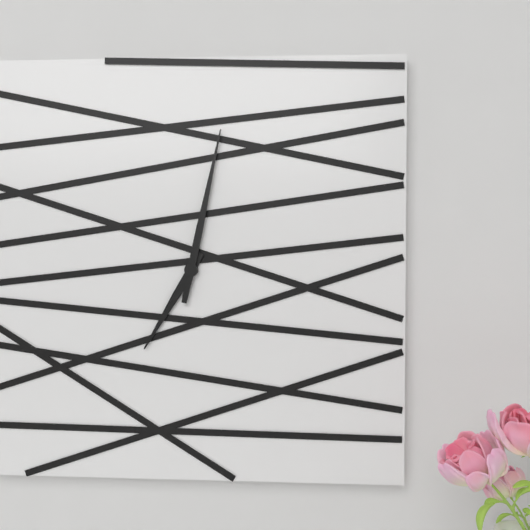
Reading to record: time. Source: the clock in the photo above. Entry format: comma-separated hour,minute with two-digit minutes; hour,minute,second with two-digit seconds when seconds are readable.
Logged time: 7,02
